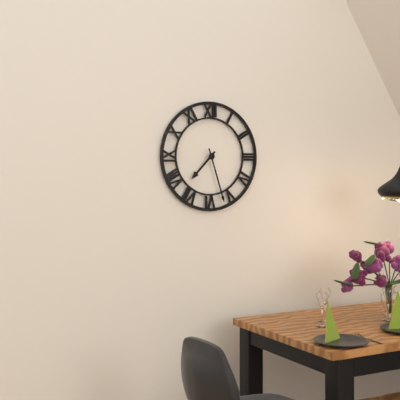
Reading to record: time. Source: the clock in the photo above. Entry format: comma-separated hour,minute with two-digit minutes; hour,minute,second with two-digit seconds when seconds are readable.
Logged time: 7,27
